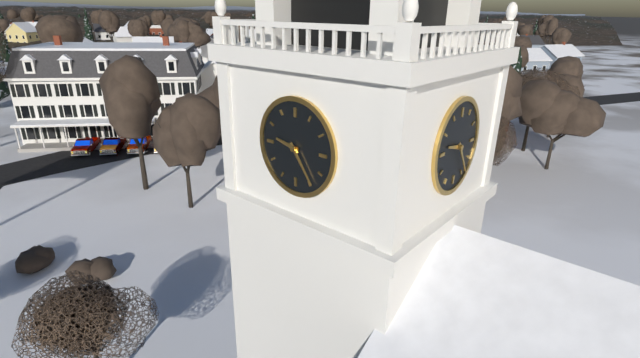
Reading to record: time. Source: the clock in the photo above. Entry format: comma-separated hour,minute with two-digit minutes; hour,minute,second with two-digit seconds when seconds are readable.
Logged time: 9,24
